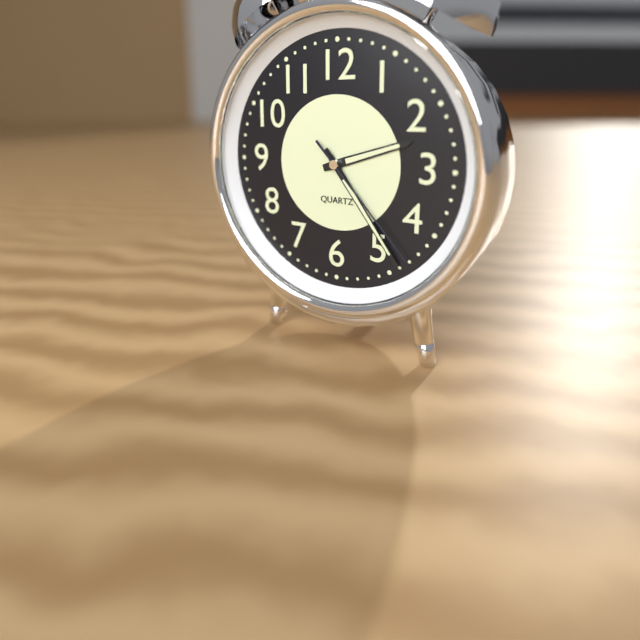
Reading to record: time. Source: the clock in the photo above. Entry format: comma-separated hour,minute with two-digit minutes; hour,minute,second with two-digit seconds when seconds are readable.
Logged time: 2,24,23
